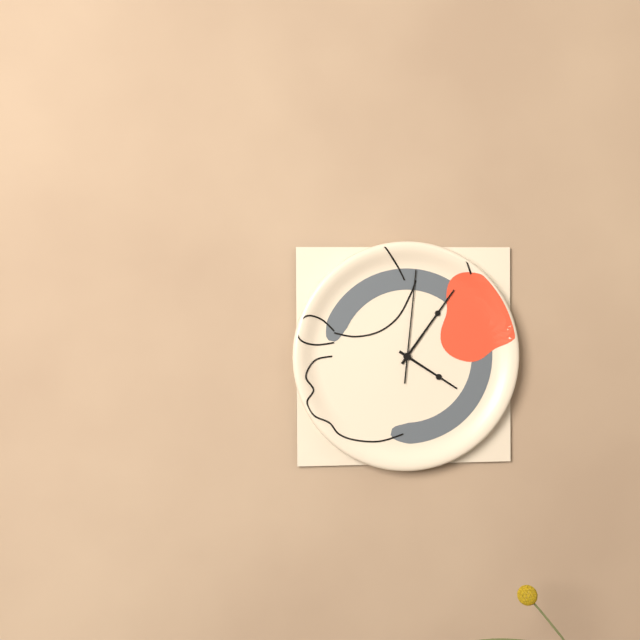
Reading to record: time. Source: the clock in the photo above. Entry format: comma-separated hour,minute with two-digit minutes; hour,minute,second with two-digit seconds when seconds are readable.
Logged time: 4,06,01
